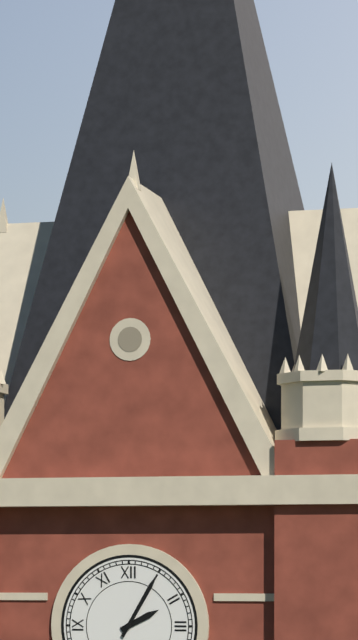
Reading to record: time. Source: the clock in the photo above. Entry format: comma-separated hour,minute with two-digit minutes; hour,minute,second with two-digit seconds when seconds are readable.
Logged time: 2,05
